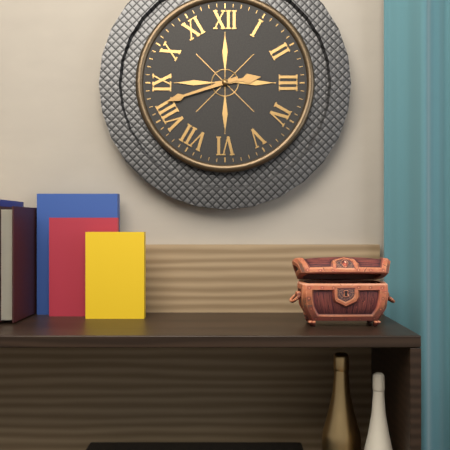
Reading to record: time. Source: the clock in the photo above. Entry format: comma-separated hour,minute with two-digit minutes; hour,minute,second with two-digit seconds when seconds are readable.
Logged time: 2,42
